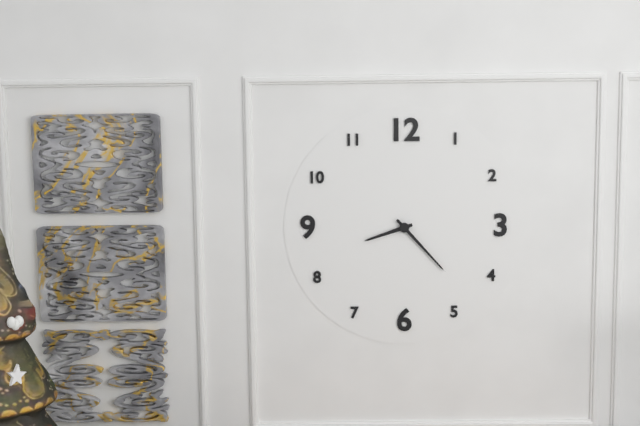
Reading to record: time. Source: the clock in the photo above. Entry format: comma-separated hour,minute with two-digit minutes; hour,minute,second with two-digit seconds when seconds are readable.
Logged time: 8,23
